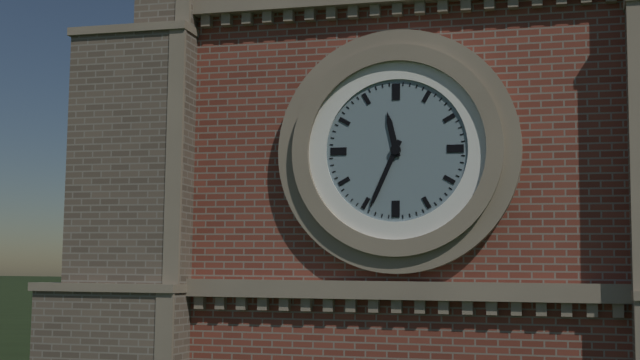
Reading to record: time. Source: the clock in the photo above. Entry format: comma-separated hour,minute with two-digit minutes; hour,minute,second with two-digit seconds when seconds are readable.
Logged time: 11,34
